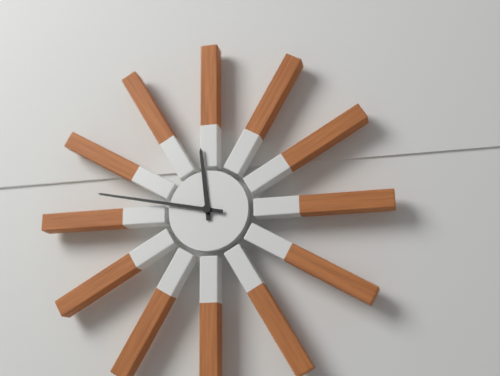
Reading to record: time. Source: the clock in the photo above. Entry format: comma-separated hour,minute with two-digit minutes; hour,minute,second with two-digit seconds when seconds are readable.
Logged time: 11,47
